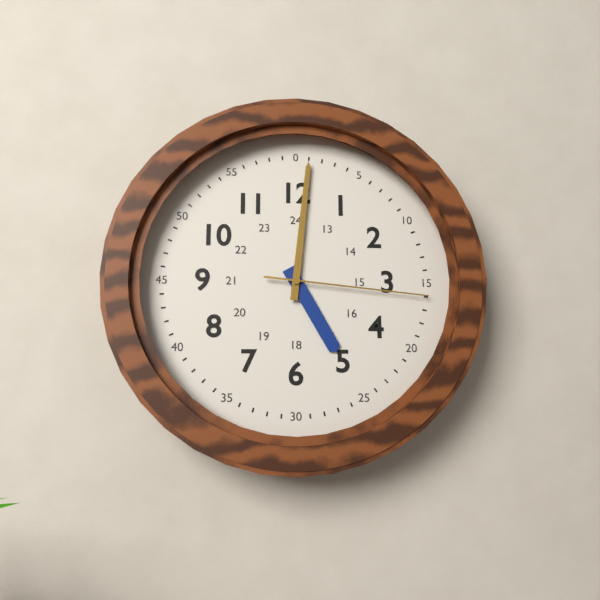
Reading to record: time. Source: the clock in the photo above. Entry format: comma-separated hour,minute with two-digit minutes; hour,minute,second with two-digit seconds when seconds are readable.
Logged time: 5,01,16
